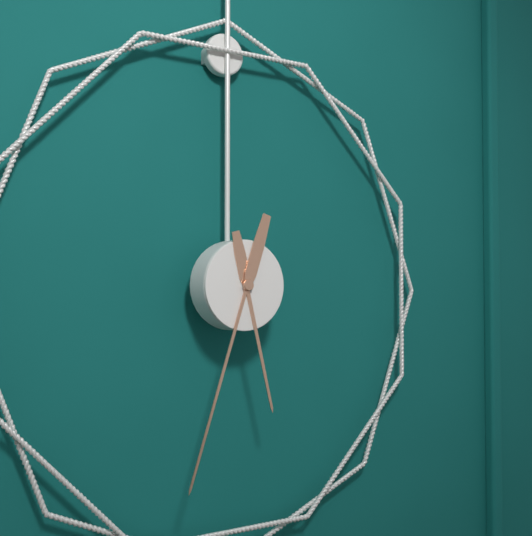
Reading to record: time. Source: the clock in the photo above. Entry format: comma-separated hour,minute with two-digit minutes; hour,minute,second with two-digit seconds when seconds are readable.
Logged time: 5,33
